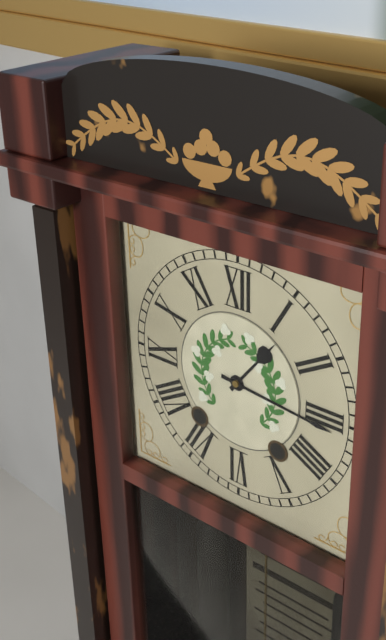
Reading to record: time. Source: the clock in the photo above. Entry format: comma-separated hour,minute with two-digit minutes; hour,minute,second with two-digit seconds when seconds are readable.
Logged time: 1,16
